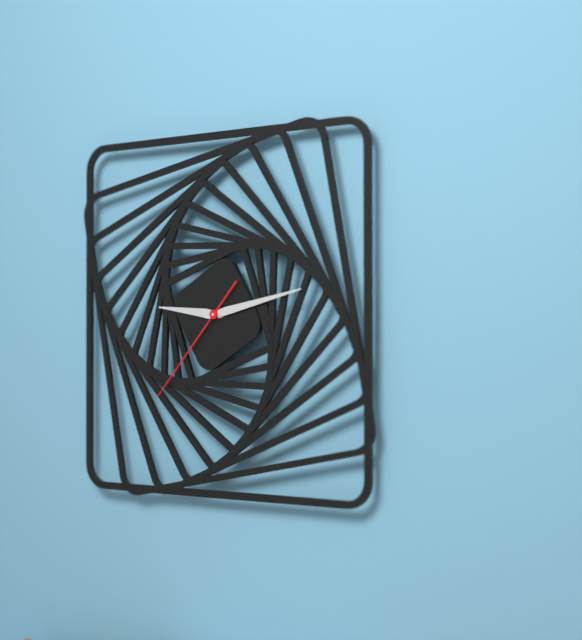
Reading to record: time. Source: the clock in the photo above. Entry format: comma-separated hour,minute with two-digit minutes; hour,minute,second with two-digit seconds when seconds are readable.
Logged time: 9,13,37
